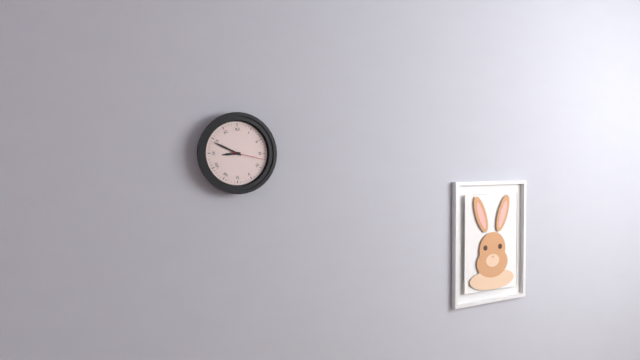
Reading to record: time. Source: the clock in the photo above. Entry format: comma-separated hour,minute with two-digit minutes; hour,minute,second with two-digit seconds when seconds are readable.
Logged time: 8,49
